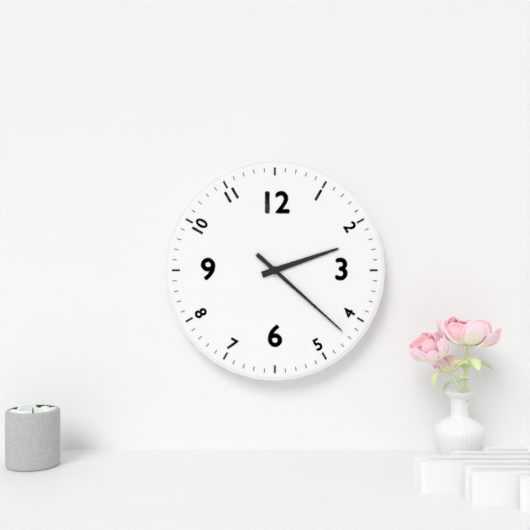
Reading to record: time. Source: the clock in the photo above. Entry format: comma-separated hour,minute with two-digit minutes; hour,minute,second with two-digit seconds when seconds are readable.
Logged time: 2,22
